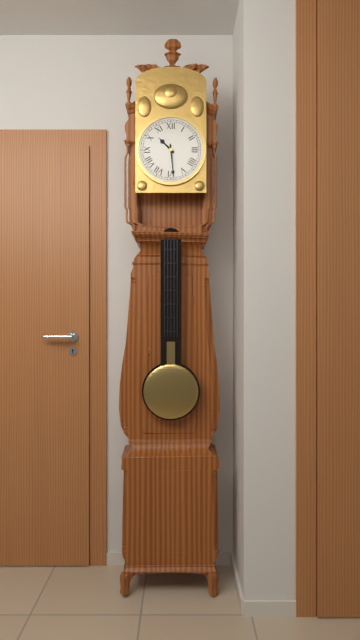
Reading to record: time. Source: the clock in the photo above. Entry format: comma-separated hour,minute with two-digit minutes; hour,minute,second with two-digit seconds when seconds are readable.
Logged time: 10,29
